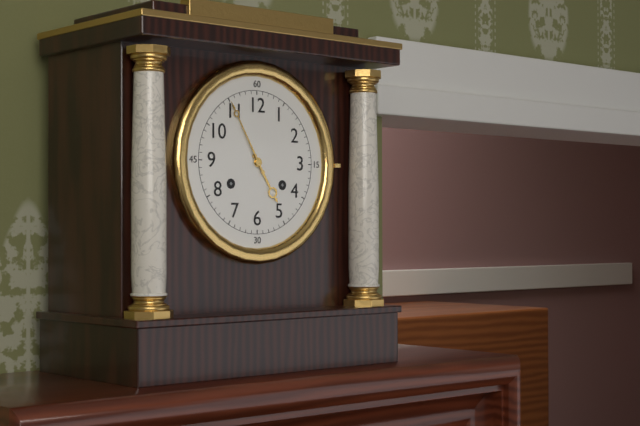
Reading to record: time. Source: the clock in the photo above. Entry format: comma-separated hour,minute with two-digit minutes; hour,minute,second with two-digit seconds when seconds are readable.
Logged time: 4,55
